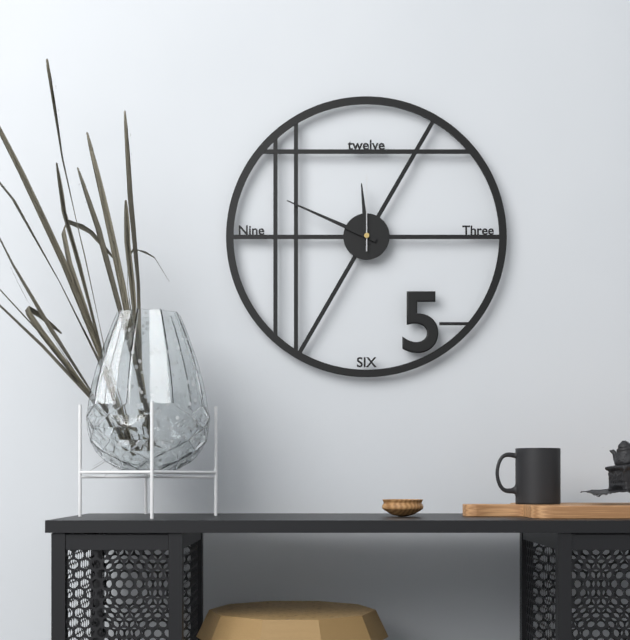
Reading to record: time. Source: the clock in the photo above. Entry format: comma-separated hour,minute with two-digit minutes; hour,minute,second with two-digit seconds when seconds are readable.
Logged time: 11,49,00
